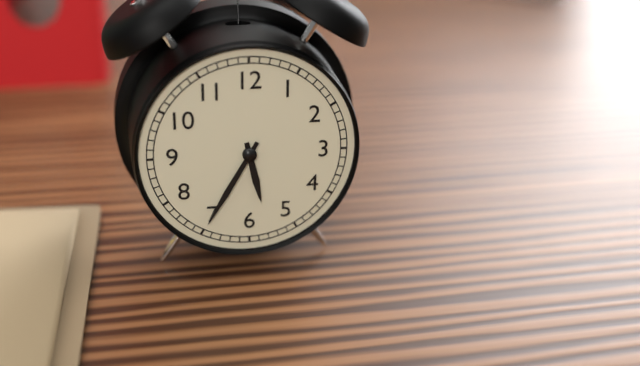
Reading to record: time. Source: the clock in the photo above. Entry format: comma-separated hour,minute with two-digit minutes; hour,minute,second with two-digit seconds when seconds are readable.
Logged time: 5,35
